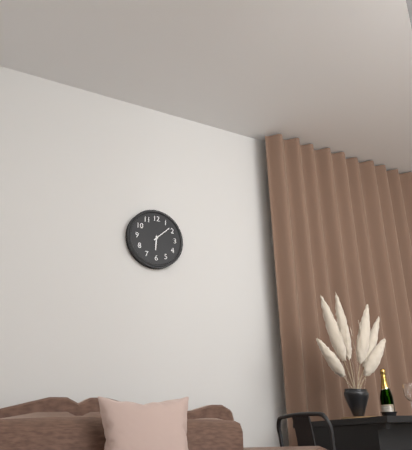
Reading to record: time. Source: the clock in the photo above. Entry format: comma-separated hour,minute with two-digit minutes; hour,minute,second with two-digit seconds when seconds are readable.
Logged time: 6,08
